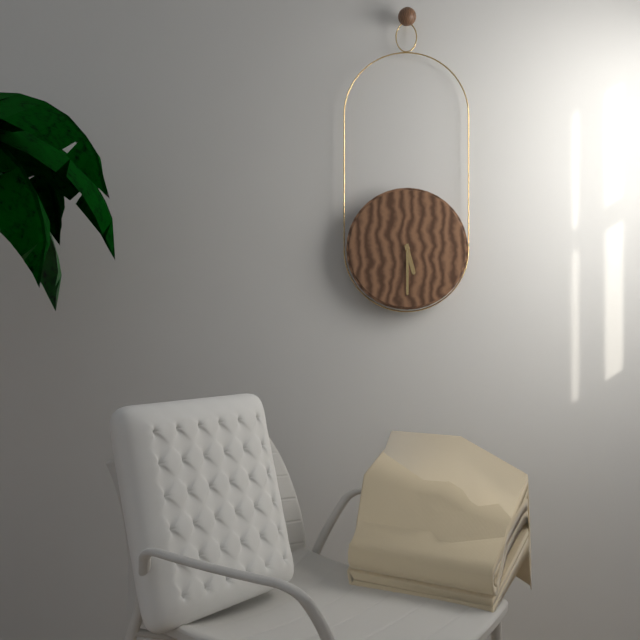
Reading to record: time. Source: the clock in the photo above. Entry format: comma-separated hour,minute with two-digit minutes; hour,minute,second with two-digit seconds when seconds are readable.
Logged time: 5,30
